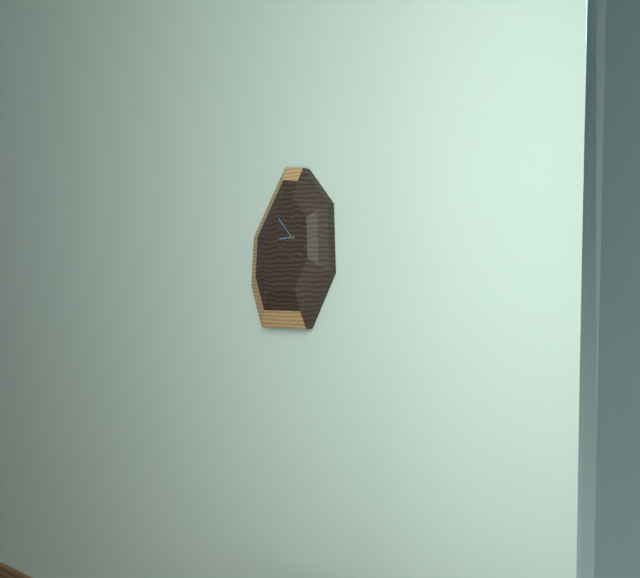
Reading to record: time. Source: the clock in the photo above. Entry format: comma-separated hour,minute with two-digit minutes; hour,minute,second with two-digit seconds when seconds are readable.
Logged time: 8,53
